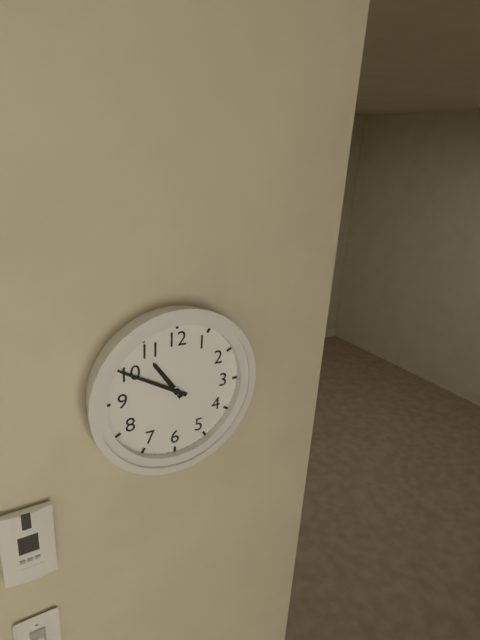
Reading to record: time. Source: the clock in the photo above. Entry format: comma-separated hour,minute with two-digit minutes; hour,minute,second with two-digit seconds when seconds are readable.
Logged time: 10,50
